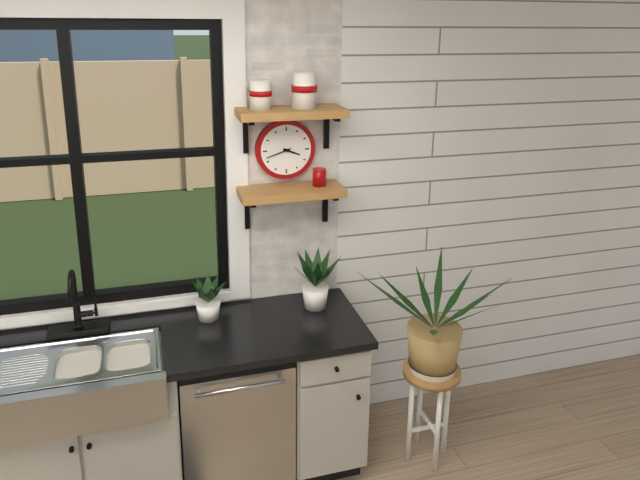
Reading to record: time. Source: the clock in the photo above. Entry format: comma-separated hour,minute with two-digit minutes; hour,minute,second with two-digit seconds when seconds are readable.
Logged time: 3,42
